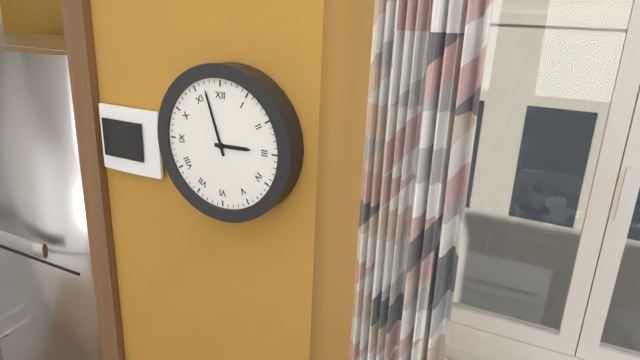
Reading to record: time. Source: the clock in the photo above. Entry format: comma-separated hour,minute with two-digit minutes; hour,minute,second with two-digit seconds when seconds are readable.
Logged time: 2,57
